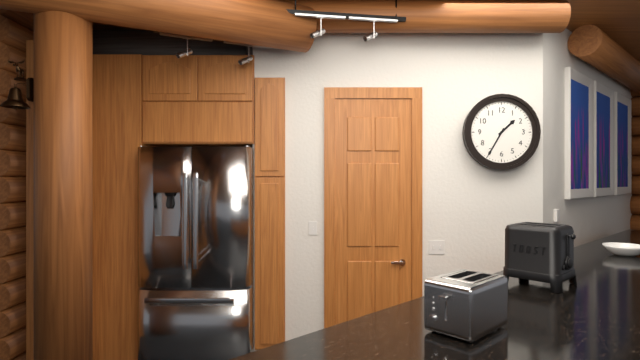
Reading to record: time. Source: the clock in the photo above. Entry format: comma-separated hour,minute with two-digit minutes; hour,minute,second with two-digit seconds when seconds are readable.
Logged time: 1,35
